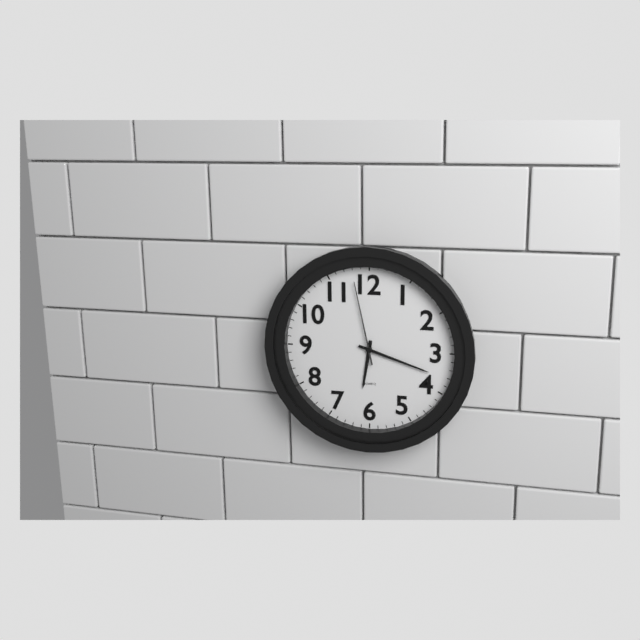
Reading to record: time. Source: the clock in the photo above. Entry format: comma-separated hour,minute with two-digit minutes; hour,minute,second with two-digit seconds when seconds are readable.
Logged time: 6,18,58
